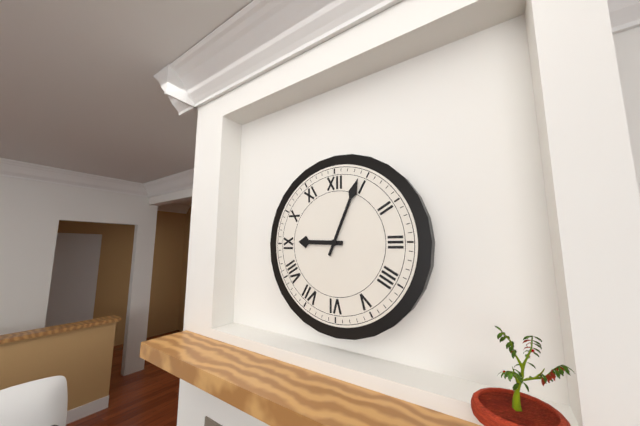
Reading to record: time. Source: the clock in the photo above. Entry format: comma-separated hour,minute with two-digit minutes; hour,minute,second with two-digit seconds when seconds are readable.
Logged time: 9,04
